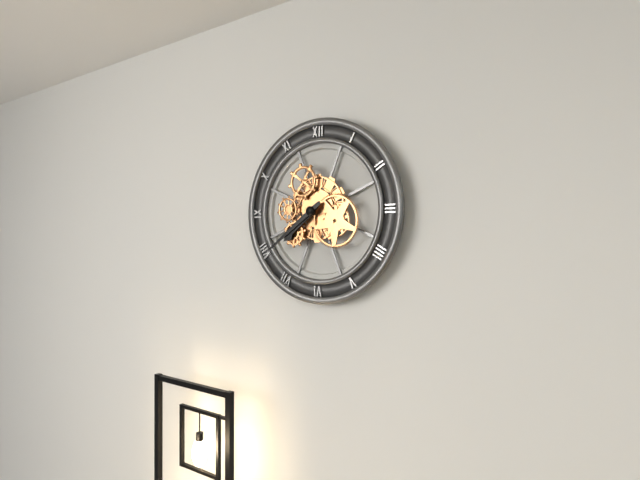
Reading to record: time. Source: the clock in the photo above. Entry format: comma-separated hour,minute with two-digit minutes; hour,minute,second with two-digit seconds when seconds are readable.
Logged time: 7,39
